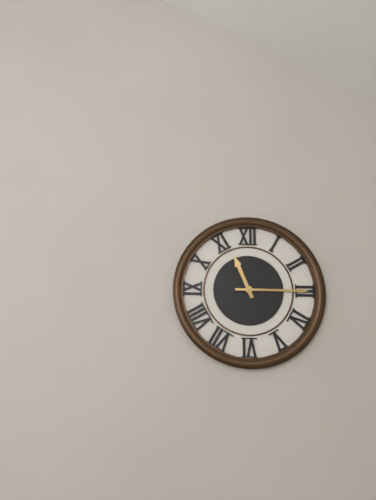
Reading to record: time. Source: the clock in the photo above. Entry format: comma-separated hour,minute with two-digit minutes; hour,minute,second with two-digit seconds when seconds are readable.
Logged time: 11,15
